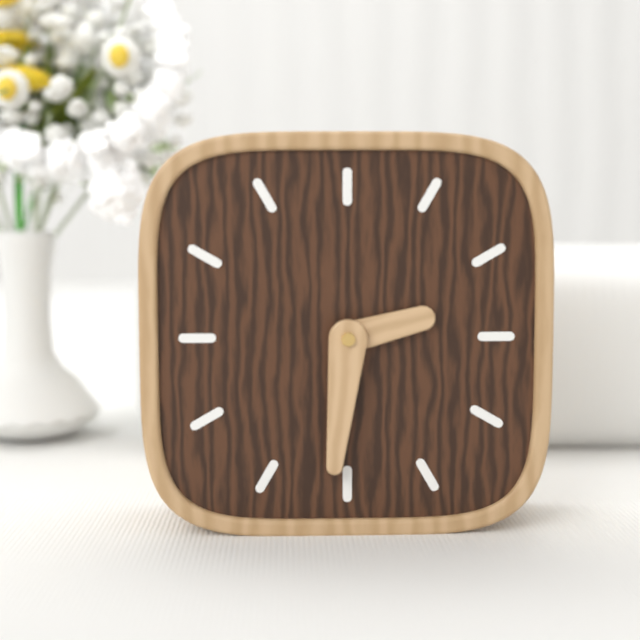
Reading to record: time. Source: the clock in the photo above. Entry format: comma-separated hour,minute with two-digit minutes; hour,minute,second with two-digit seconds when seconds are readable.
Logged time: 2,31
